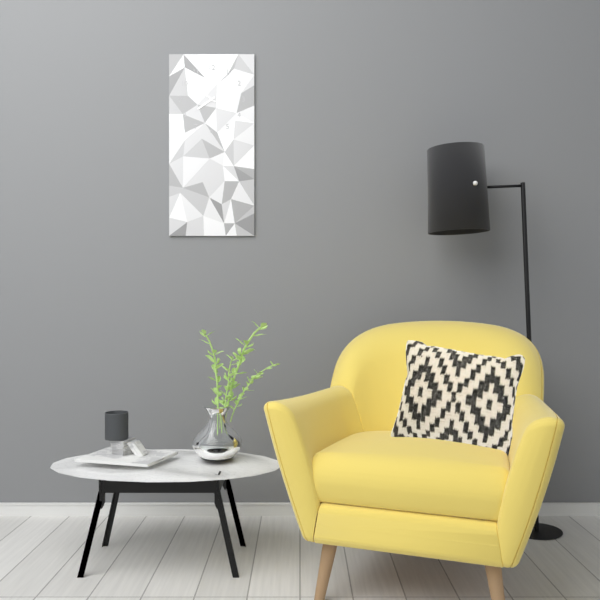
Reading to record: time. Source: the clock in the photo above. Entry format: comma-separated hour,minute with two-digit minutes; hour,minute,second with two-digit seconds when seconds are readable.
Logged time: 7,51
